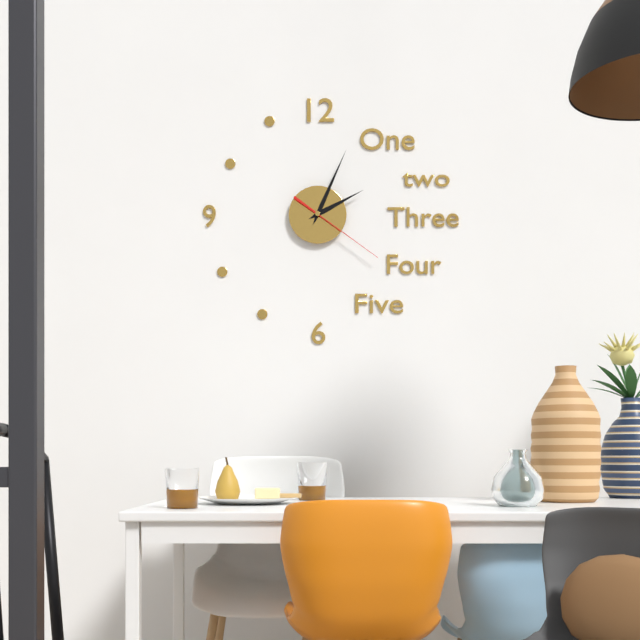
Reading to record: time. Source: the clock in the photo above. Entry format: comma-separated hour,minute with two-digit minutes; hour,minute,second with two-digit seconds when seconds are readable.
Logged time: 2,04,21
